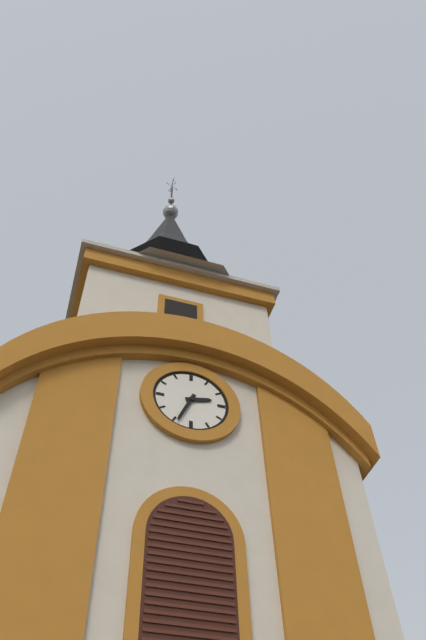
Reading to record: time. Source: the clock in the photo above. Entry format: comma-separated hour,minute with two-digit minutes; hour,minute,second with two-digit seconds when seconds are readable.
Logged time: 2,34
